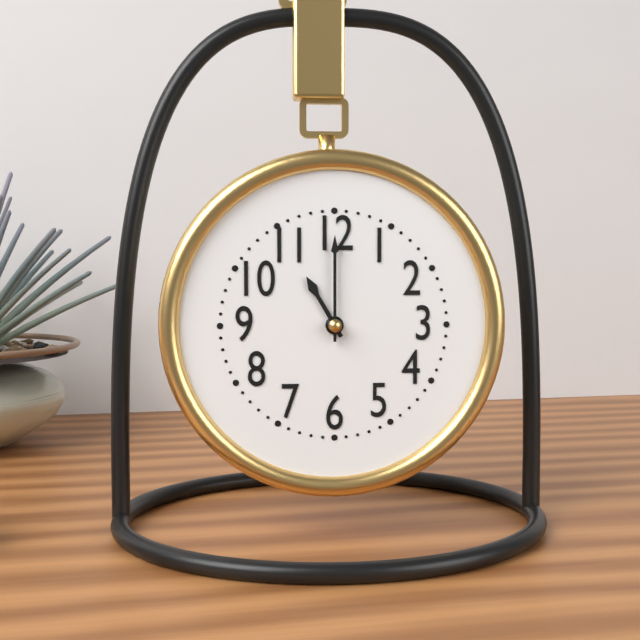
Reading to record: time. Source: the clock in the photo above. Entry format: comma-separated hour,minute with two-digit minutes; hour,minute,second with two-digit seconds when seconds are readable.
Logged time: 11,00
